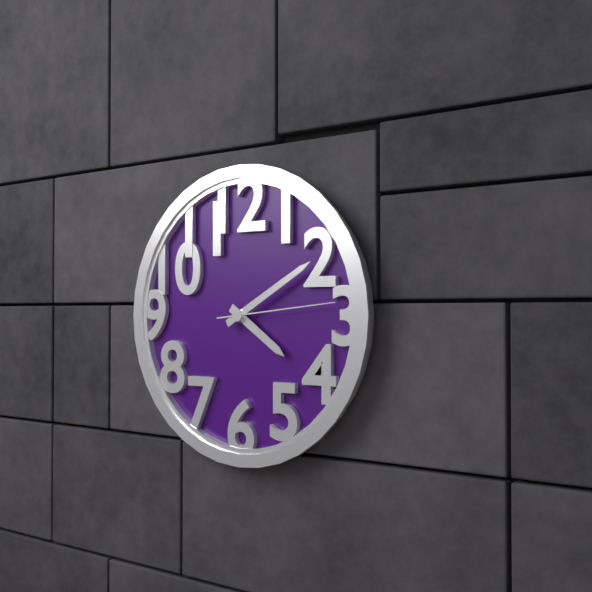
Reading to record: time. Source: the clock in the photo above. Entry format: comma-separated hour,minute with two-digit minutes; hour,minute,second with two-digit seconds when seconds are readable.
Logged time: 4,10,14
